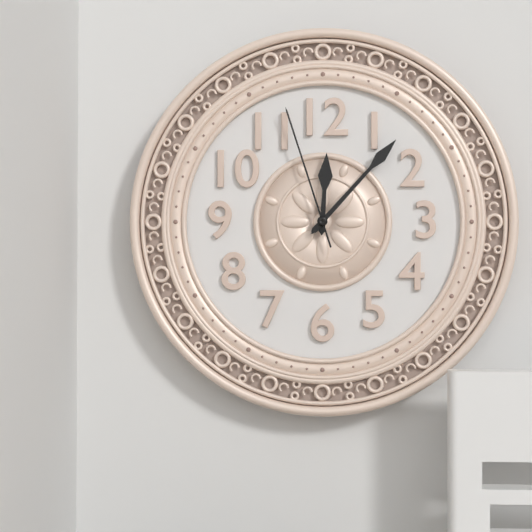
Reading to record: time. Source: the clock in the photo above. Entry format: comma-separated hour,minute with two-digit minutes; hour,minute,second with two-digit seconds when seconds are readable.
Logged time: 12,07,57
